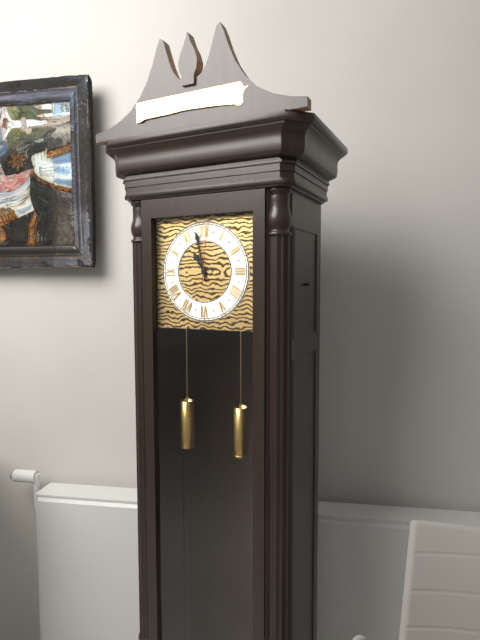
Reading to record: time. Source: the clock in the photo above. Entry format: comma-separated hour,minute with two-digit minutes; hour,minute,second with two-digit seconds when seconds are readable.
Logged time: 10,58,01
